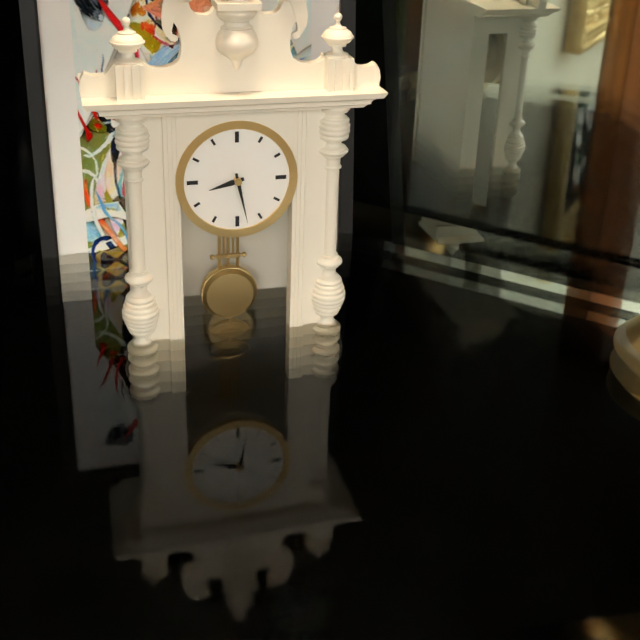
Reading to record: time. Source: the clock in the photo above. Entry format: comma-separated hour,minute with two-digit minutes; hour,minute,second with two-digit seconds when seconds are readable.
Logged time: 8,28
